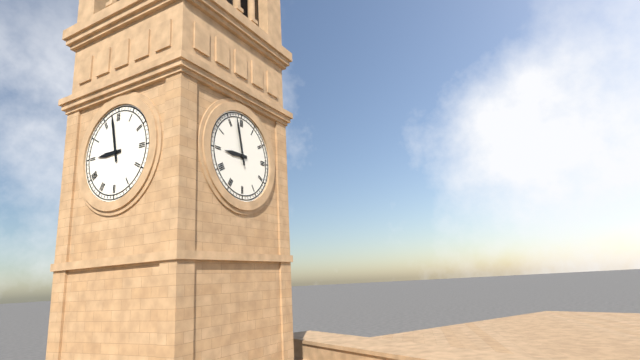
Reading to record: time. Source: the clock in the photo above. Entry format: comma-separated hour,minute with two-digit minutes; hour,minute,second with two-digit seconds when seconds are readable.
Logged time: 8,58
